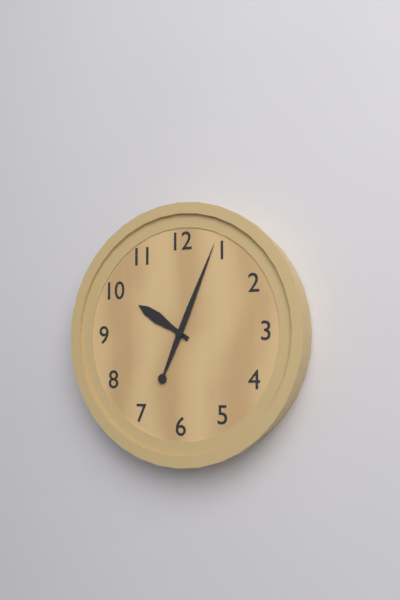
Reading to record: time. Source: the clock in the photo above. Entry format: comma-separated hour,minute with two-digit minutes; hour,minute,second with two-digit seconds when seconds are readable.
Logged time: 10,04
